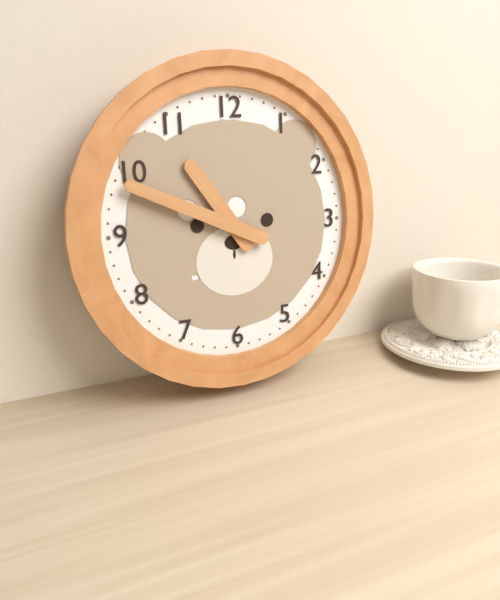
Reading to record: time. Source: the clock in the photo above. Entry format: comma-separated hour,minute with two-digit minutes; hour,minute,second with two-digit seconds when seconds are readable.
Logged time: 10,49
